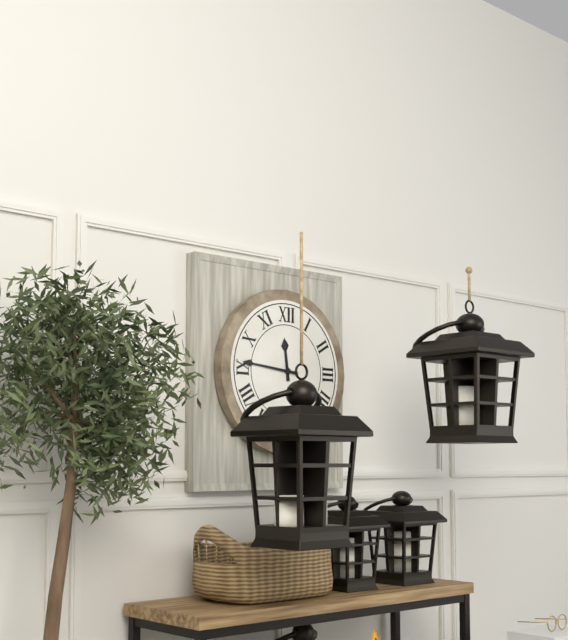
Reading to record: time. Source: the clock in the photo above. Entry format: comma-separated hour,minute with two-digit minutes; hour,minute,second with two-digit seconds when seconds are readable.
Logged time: 11,46
